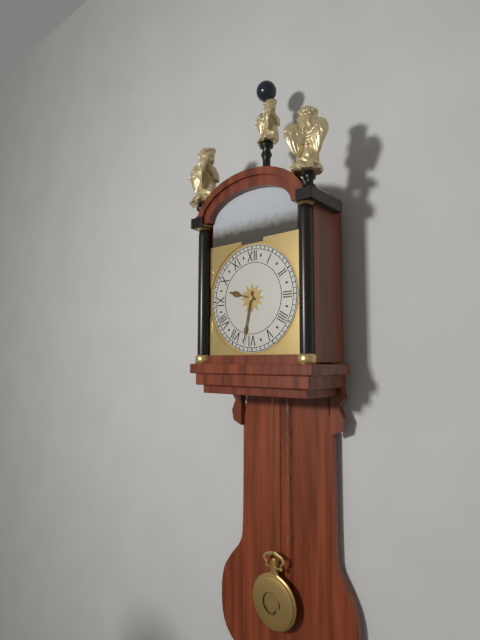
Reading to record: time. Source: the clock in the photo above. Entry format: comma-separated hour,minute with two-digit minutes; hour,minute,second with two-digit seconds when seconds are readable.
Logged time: 9,32
